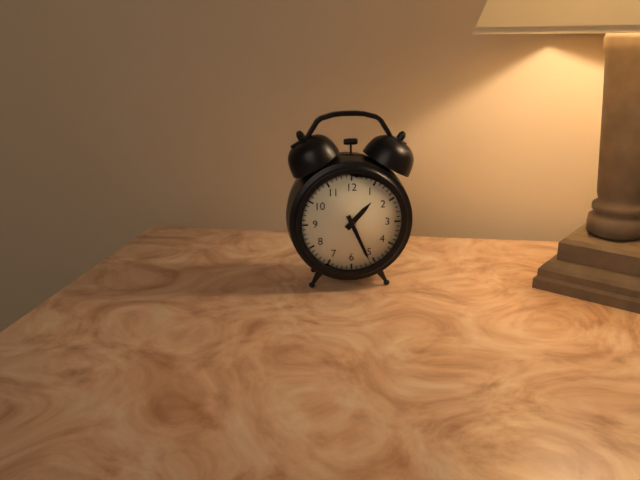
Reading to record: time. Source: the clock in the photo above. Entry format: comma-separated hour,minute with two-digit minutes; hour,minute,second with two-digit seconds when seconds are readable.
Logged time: 1,26
